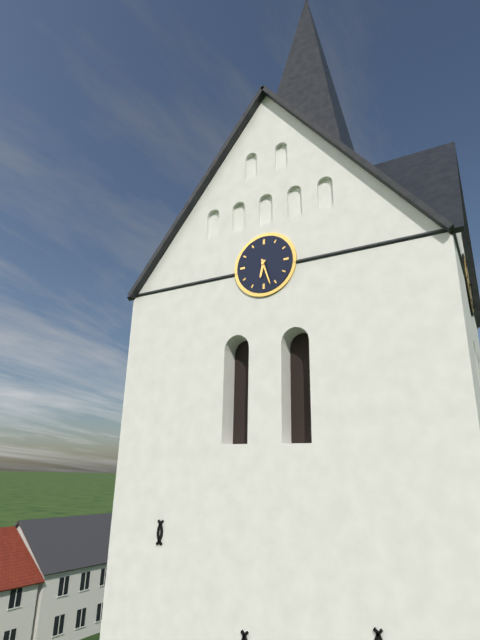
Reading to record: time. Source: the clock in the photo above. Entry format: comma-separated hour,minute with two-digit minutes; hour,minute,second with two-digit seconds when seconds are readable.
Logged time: 6,27
